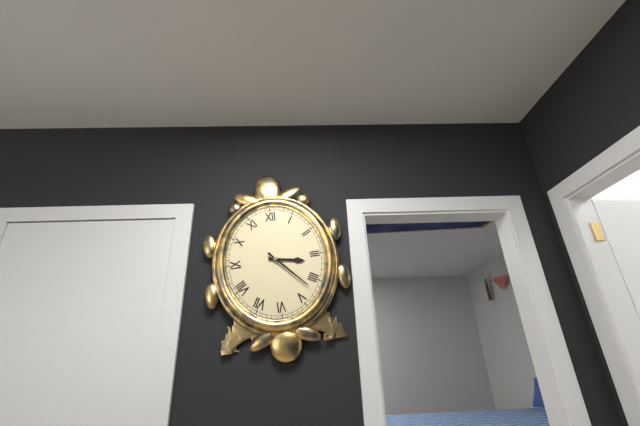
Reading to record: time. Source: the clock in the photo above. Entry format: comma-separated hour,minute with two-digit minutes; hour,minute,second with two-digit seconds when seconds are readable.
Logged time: 3,23
